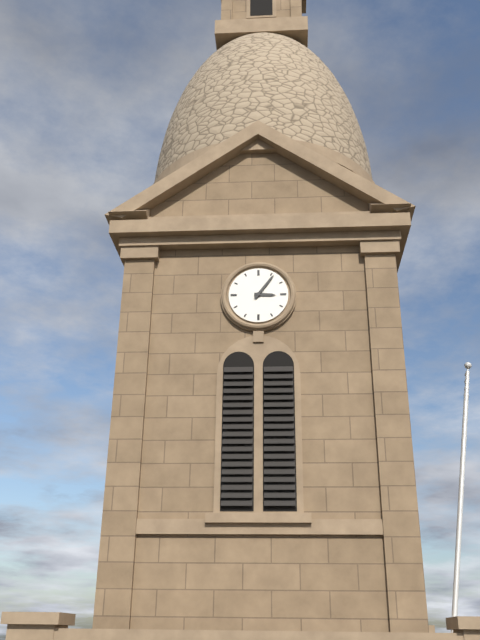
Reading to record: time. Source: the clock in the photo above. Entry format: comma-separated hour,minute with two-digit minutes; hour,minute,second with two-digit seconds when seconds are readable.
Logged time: 3,06
